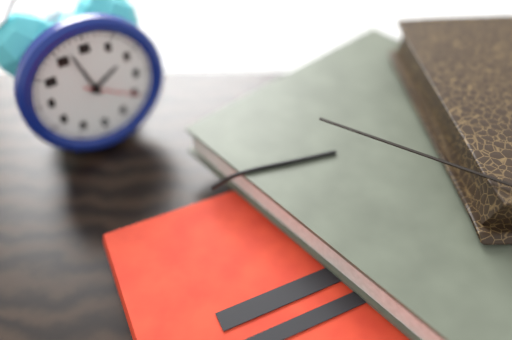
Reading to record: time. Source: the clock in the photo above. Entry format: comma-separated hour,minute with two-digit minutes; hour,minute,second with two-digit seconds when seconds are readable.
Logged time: 1,57,20
